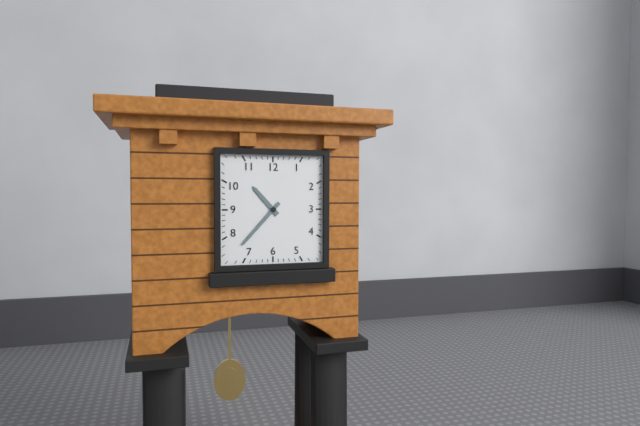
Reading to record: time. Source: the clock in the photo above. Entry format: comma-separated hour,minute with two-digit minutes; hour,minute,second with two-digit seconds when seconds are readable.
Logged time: 10,37
